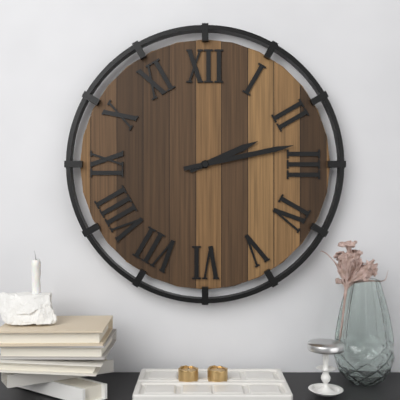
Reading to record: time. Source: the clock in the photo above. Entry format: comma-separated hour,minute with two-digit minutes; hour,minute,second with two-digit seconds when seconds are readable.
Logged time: 2,13
